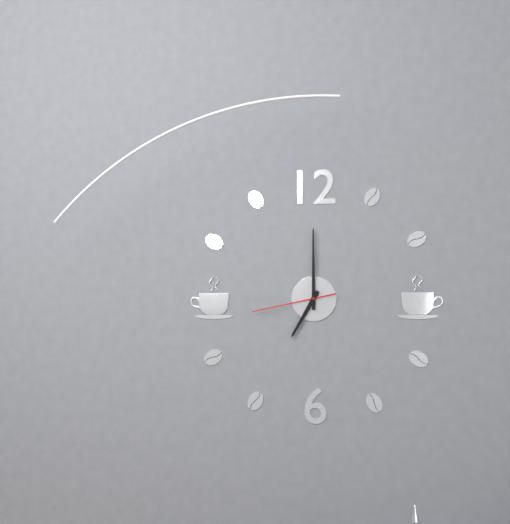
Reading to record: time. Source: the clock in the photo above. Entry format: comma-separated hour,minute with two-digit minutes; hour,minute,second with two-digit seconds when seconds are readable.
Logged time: 7,00,43
